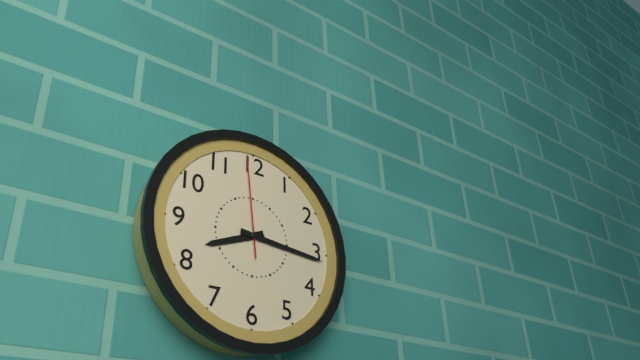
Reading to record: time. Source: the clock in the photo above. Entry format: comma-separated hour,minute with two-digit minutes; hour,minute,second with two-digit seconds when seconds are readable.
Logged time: 8,16,59
